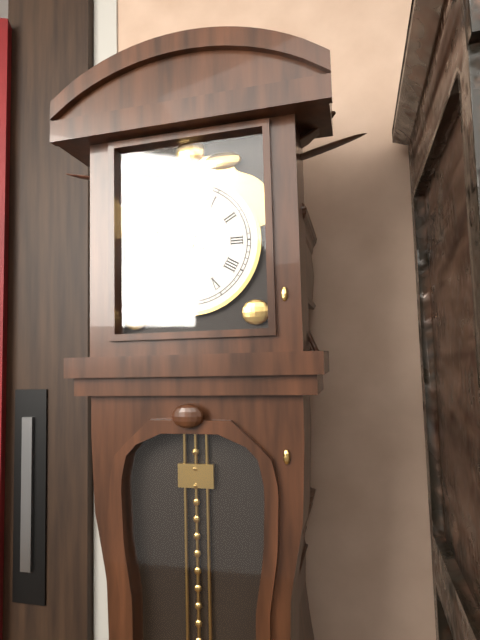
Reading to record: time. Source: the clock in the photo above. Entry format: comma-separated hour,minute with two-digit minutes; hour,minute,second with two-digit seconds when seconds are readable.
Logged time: 6,49
